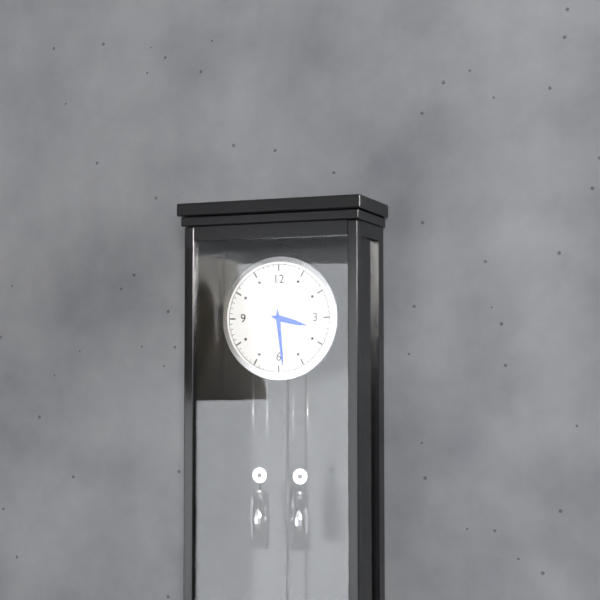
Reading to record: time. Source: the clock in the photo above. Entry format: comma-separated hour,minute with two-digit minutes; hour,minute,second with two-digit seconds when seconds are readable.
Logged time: 3,29
